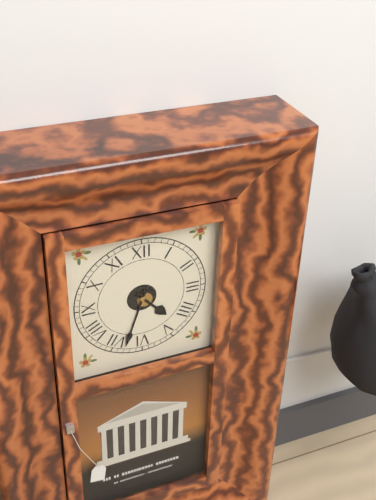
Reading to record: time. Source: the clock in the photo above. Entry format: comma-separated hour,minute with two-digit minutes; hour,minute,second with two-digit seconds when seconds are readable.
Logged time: 4,33
